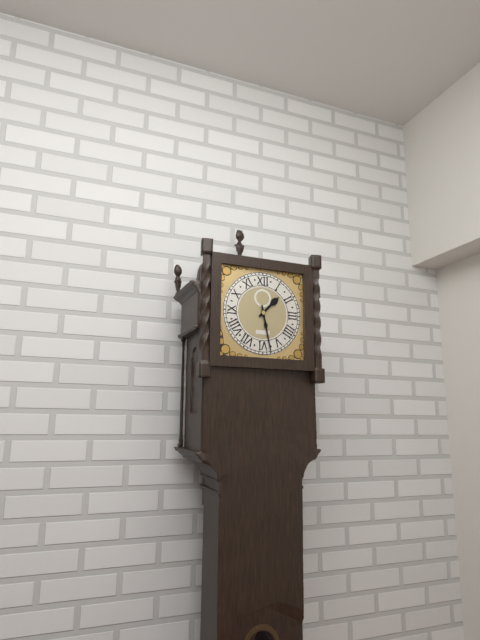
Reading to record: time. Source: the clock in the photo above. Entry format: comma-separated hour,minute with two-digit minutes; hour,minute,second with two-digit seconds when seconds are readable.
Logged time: 1,28
